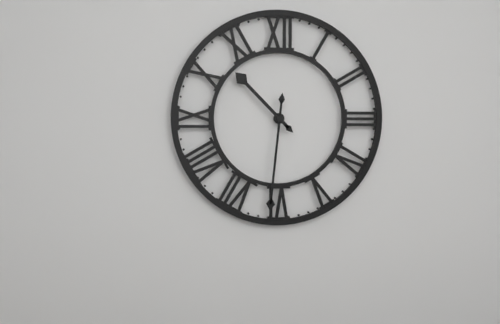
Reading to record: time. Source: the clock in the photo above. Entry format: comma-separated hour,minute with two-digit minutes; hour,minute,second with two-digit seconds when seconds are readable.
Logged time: 10,31
